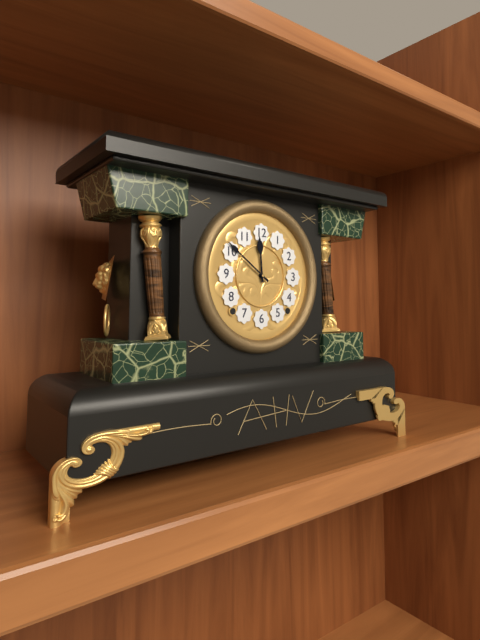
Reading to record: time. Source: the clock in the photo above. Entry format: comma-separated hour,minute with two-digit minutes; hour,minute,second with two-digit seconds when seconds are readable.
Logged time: 11,51
